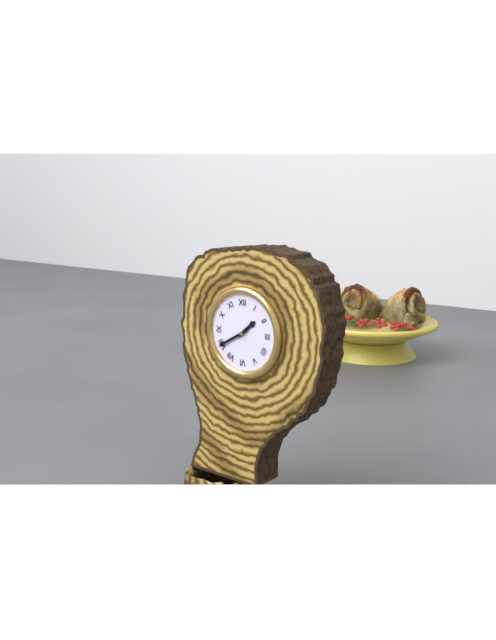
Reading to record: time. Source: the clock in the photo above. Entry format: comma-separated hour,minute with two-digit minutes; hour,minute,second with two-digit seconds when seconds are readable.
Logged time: 1,40
